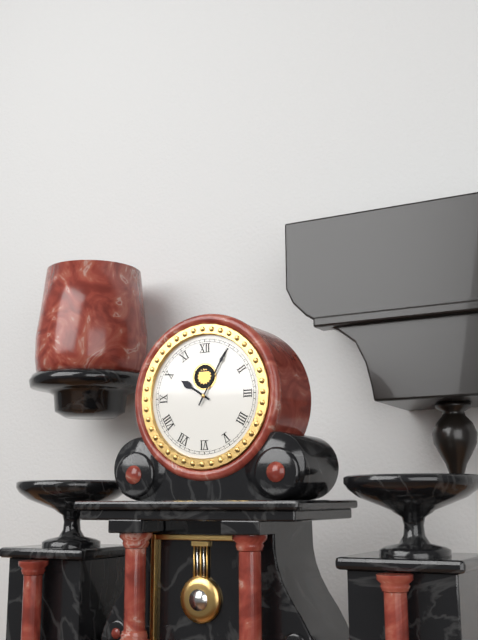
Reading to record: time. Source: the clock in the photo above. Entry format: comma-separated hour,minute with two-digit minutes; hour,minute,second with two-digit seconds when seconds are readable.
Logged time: 10,05
